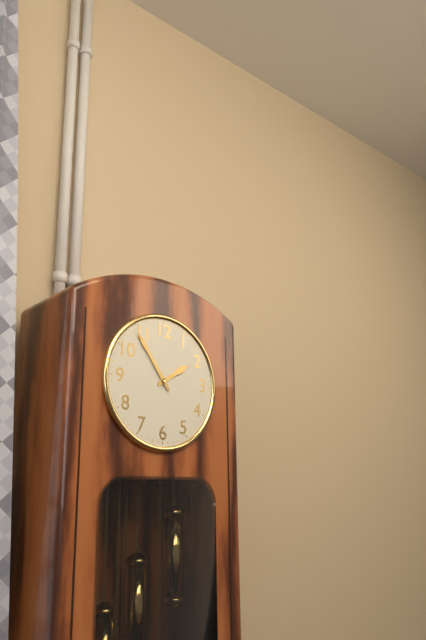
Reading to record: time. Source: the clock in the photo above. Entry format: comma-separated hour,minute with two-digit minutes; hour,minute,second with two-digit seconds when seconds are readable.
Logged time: 1,54
